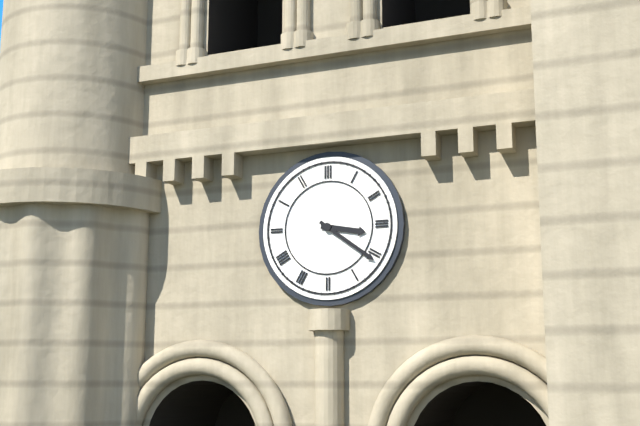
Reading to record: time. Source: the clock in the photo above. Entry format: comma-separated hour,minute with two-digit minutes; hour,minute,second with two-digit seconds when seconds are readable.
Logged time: 3,21
